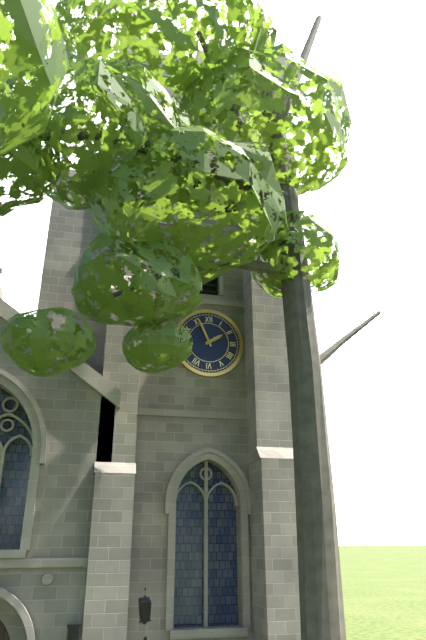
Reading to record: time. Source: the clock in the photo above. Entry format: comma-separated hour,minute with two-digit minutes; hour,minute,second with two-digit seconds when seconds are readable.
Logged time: 1,56
